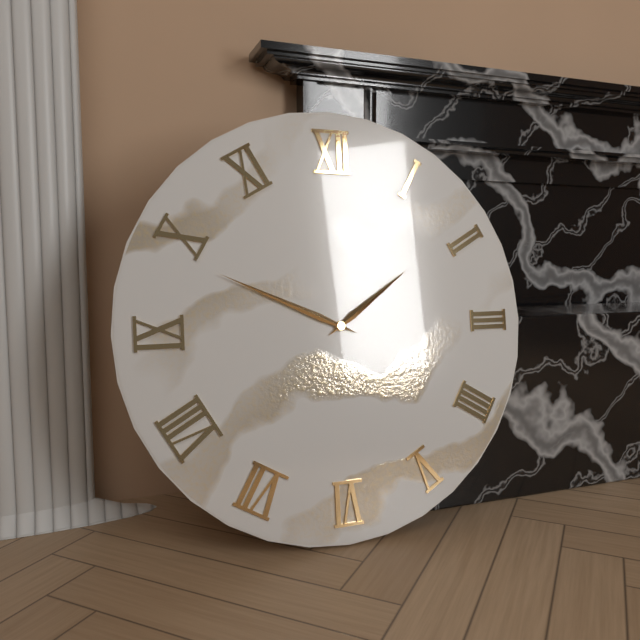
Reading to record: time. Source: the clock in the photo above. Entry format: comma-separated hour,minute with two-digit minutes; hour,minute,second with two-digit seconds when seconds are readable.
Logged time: 1,49
